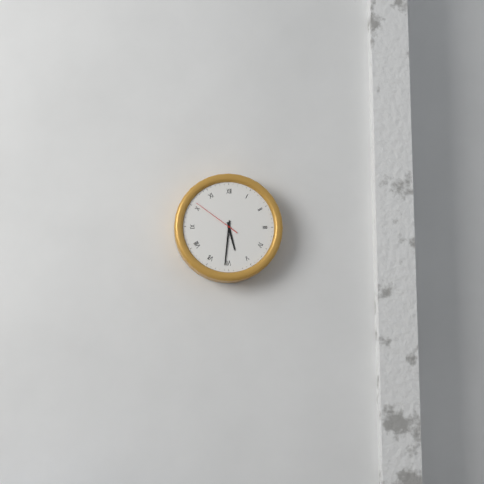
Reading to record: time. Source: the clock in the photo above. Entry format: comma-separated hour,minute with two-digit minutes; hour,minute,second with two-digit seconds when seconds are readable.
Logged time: 5,31,51
